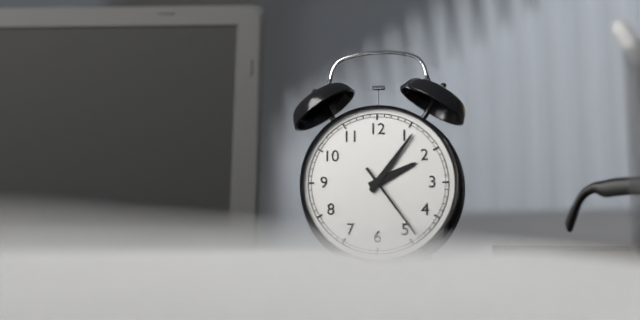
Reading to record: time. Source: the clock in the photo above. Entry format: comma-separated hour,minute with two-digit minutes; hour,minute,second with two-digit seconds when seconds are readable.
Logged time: 2,06,24
